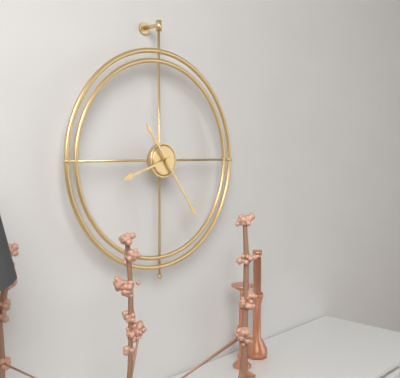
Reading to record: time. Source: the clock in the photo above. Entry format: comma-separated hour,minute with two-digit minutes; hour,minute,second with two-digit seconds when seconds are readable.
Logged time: 8,24
